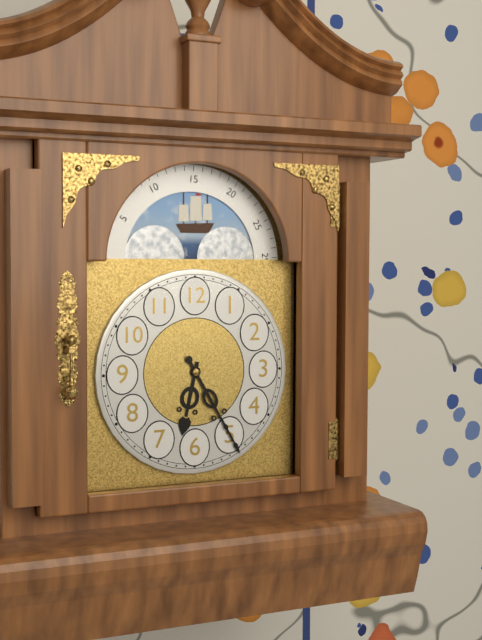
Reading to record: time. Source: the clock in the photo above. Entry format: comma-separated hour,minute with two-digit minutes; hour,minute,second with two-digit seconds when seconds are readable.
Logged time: 6,25
